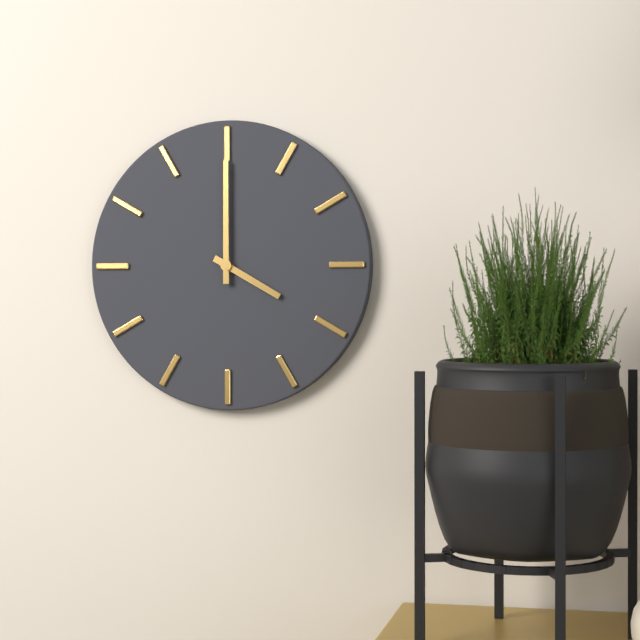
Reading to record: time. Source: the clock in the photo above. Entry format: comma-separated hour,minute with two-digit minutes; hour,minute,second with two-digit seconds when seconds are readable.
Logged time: 4,00
